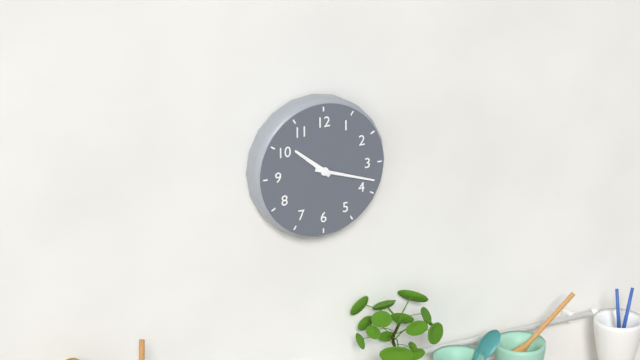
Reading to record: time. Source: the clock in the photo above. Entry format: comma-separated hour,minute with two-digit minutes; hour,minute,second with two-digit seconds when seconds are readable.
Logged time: 10,18
